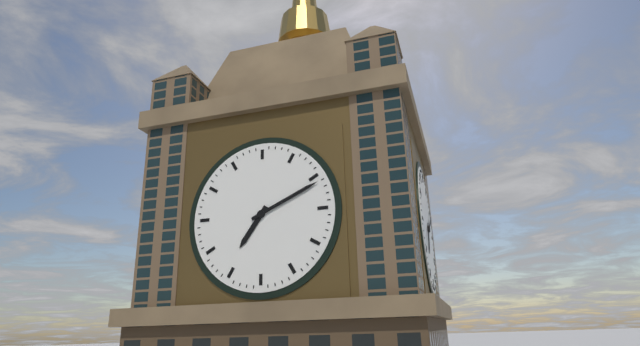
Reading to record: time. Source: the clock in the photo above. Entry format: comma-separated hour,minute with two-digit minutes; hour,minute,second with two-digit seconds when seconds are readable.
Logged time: 7,11
